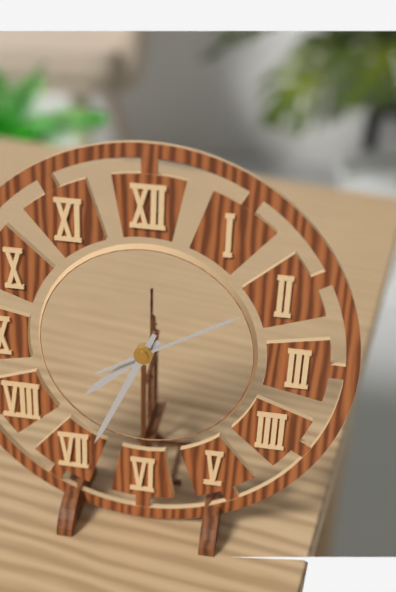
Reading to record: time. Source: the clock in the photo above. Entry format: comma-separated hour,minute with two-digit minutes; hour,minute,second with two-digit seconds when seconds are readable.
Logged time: 7,34,10
